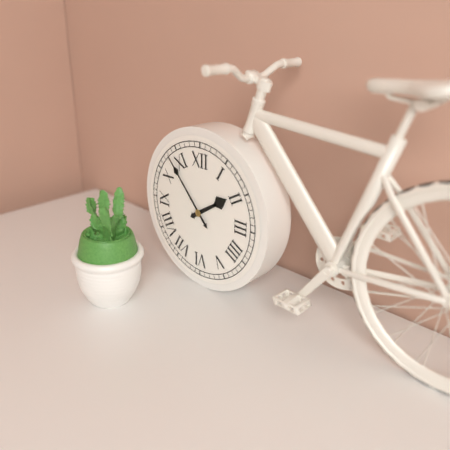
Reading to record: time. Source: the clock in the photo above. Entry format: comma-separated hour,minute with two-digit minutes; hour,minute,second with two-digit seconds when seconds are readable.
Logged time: 1,53
